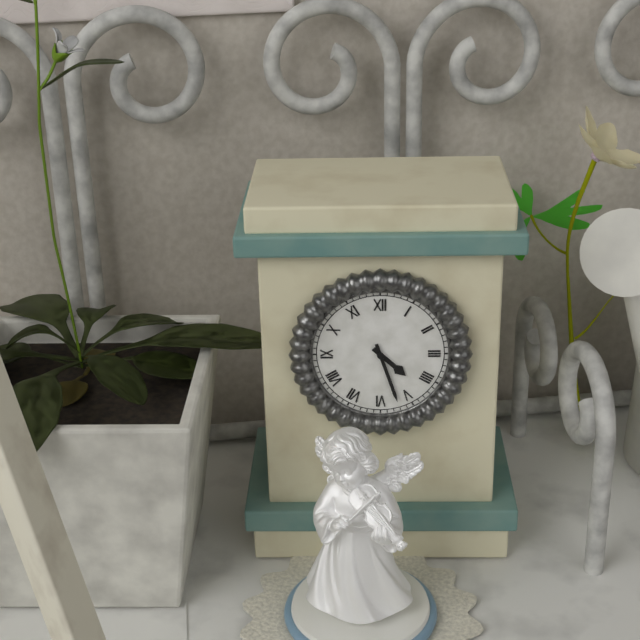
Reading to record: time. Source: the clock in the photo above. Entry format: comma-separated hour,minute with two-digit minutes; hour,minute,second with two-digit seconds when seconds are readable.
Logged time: 4,27
